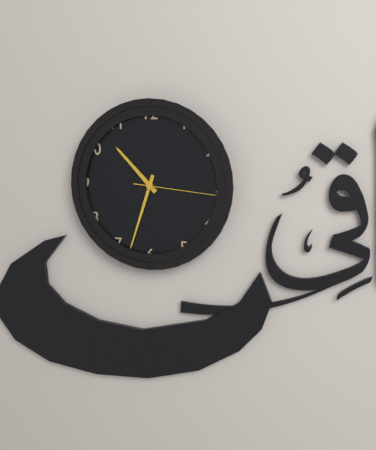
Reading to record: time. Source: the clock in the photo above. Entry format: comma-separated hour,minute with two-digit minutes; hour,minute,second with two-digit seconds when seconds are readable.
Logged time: 10,33,16
